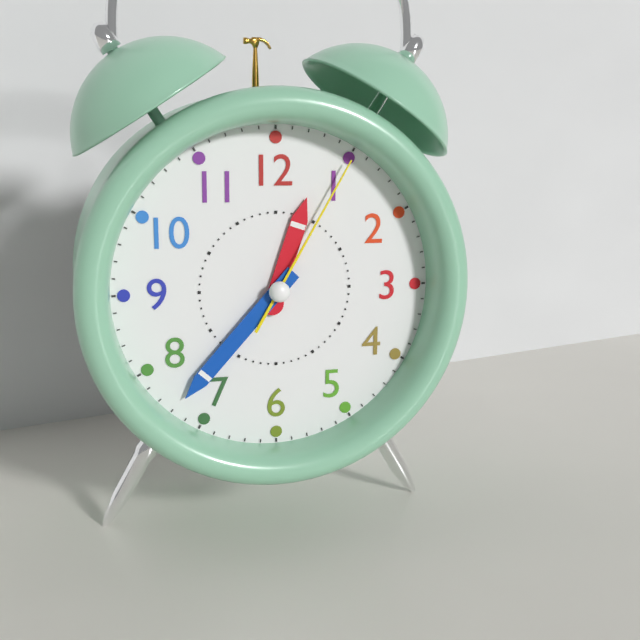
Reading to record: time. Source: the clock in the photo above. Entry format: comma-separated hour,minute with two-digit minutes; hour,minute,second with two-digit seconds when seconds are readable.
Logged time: 12,37,05
